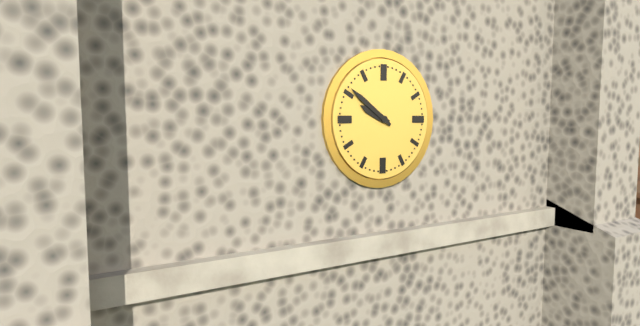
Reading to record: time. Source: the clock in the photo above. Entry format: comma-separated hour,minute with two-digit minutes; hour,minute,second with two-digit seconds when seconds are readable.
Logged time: 9,51
